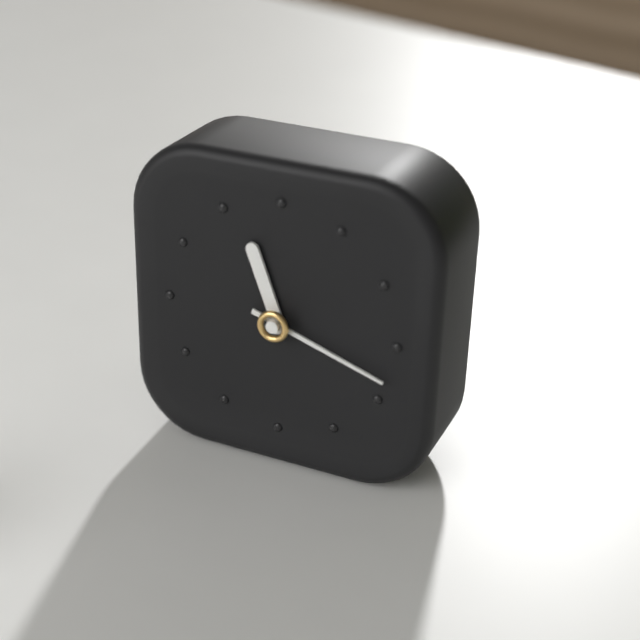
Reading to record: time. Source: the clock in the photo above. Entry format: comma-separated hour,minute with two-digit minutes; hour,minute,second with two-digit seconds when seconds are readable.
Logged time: 11,18
